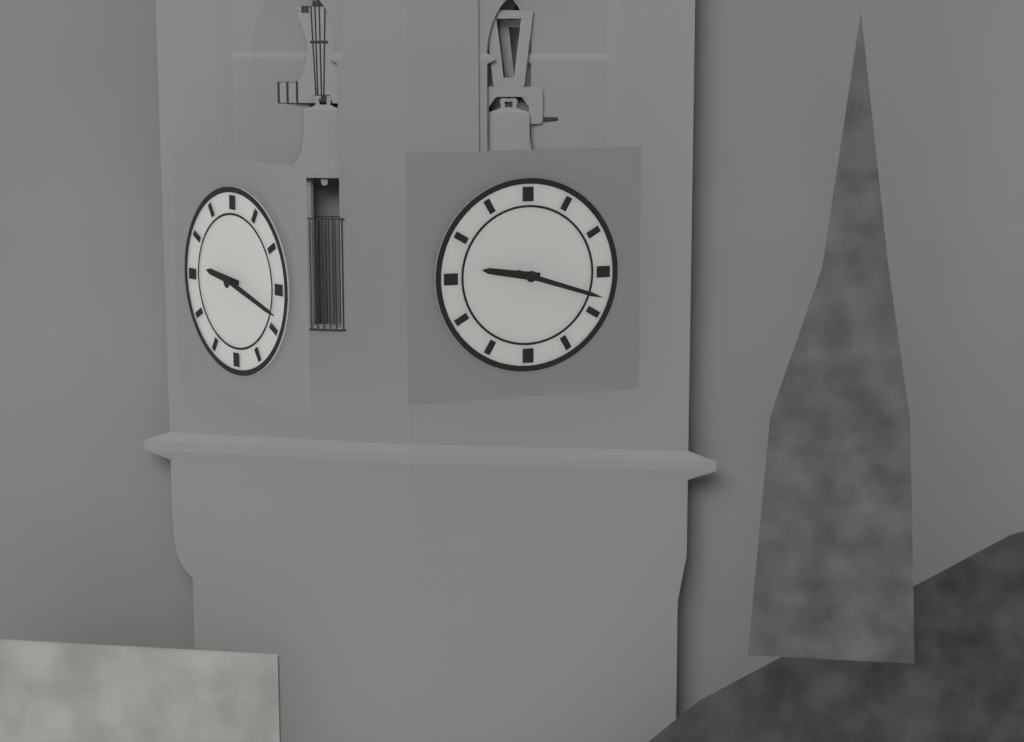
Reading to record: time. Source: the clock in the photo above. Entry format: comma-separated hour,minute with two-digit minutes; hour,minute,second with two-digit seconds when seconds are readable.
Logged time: 9,18
